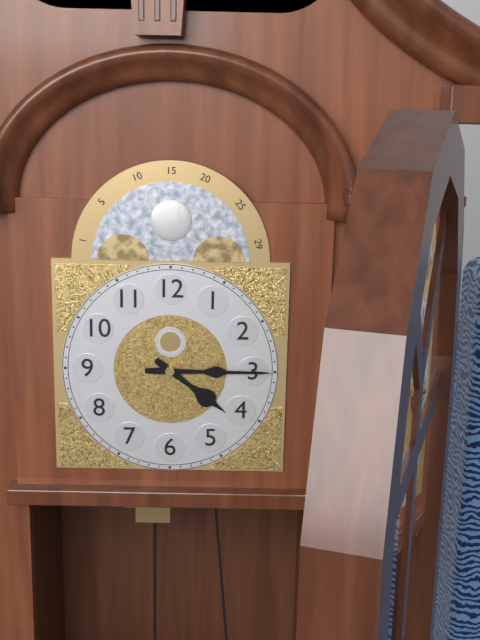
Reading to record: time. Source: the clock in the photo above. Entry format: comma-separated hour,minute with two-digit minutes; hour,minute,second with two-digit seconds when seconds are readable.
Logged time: 4,15
